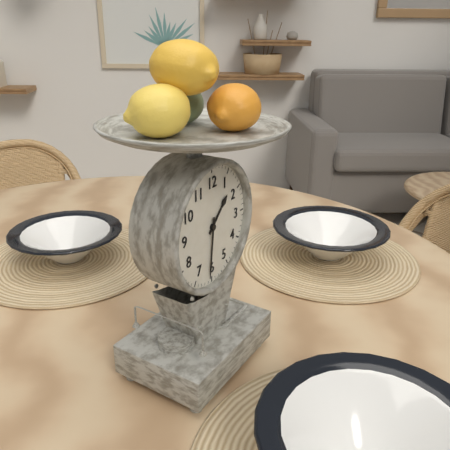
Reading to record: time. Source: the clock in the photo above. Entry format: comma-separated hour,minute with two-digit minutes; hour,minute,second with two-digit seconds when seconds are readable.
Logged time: 1,31
